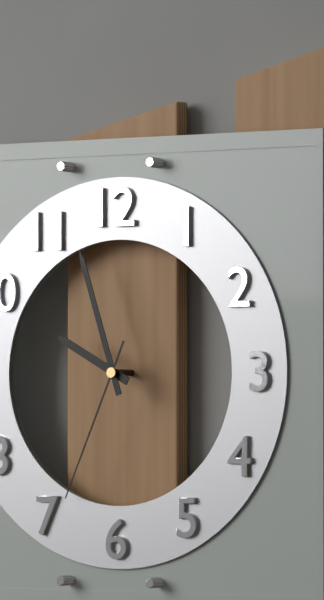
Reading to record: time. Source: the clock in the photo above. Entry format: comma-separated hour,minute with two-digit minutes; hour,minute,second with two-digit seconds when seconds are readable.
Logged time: 9,57,34
